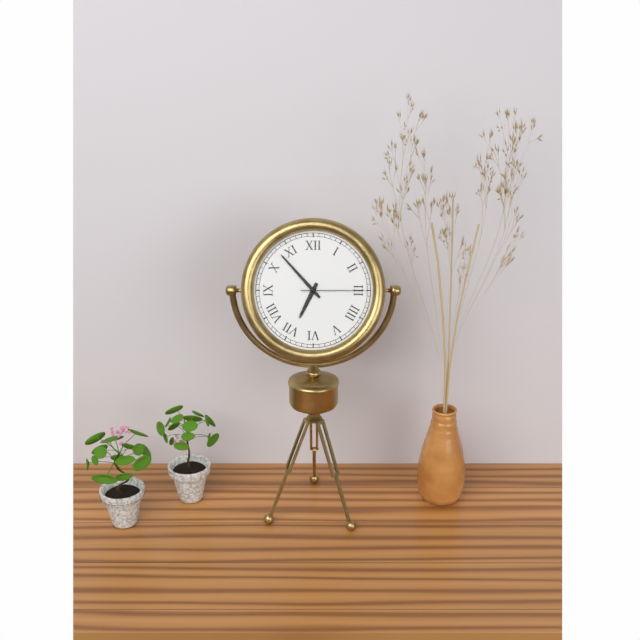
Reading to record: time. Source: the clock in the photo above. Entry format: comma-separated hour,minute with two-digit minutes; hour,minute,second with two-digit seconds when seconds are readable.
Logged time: 6,53,15
